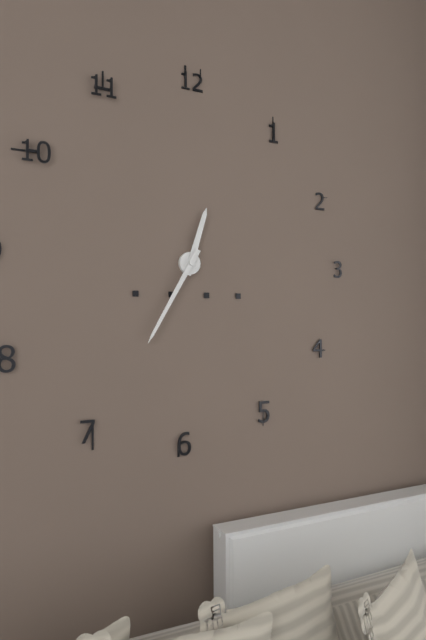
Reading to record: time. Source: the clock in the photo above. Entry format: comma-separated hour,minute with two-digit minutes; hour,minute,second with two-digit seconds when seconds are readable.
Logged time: 12,35
